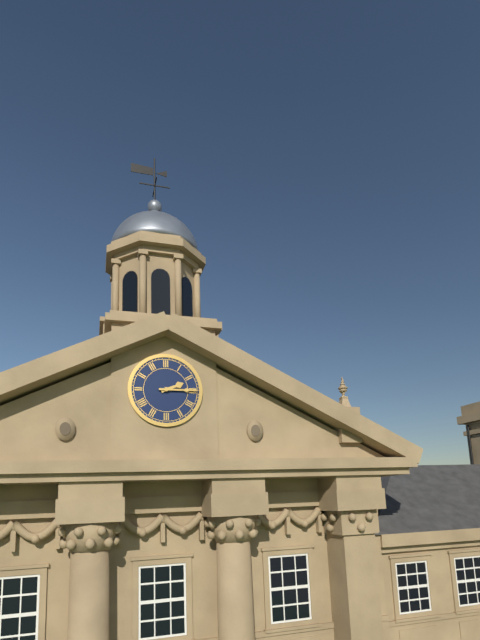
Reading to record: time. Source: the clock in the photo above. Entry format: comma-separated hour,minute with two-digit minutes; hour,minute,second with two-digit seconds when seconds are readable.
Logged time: 2,15
